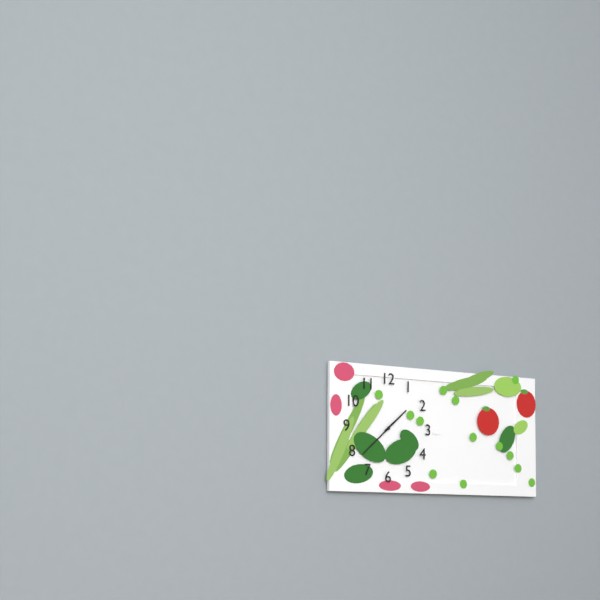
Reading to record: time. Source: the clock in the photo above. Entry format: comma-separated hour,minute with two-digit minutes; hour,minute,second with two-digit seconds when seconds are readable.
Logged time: 1,38
